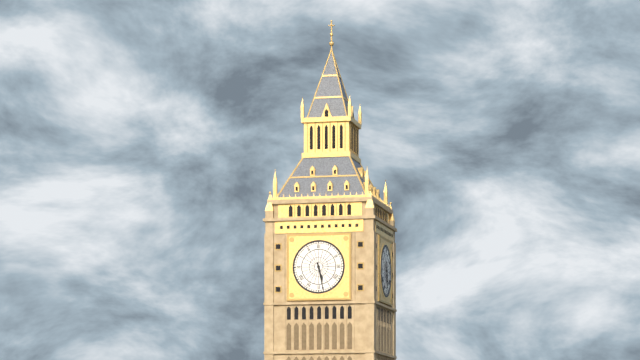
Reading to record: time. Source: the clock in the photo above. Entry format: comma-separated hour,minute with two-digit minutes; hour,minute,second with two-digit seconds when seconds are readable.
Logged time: 5,28
